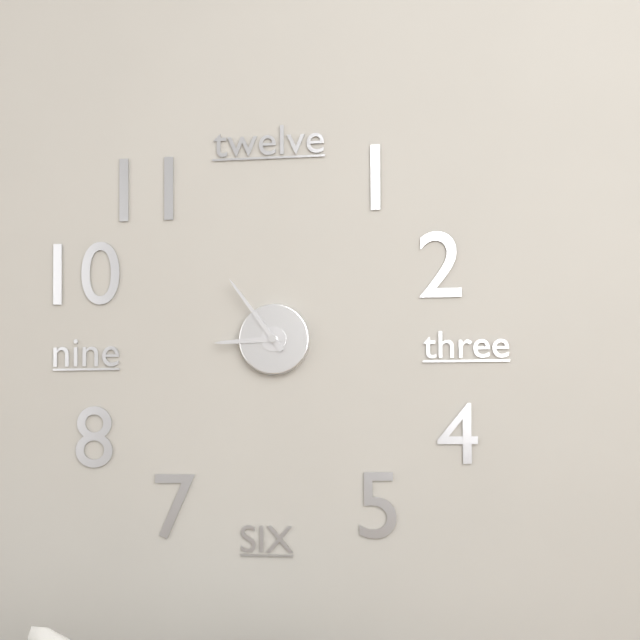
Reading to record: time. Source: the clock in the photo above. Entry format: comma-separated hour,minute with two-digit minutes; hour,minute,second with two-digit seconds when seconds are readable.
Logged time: 8,54
